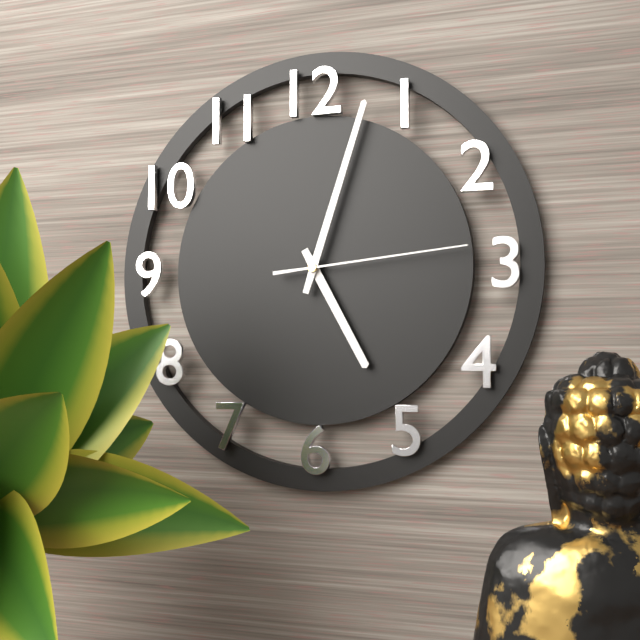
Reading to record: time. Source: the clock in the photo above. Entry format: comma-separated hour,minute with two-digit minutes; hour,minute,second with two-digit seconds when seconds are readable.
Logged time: 5,03,14
